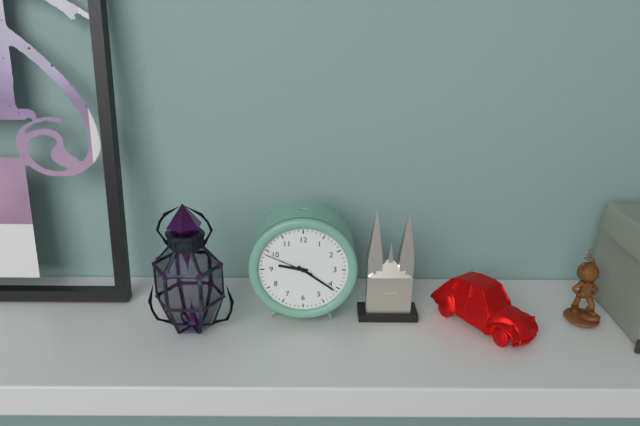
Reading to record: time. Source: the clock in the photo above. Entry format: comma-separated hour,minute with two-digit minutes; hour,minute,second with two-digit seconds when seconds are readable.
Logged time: 9,21,49
